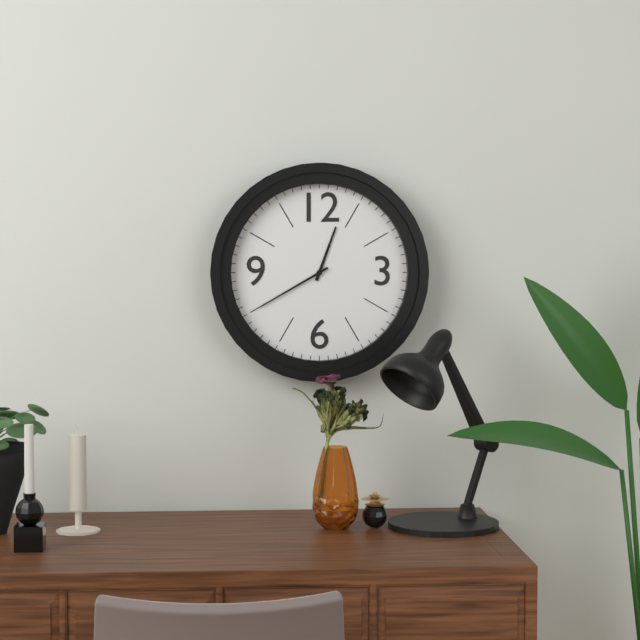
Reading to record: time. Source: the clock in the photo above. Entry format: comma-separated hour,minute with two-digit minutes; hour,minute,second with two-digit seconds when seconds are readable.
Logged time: 12,40
